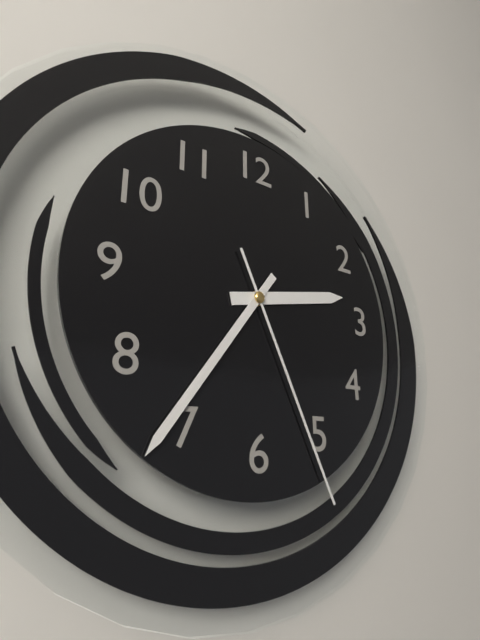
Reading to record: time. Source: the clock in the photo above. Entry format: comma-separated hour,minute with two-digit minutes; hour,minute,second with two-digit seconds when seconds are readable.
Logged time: 2,36,26
